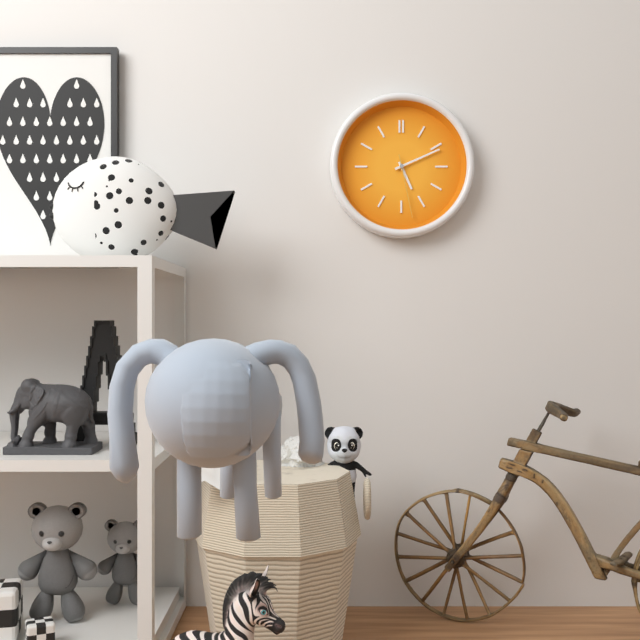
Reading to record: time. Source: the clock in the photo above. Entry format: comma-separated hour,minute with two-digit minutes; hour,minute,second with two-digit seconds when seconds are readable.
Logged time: 5,11,28
